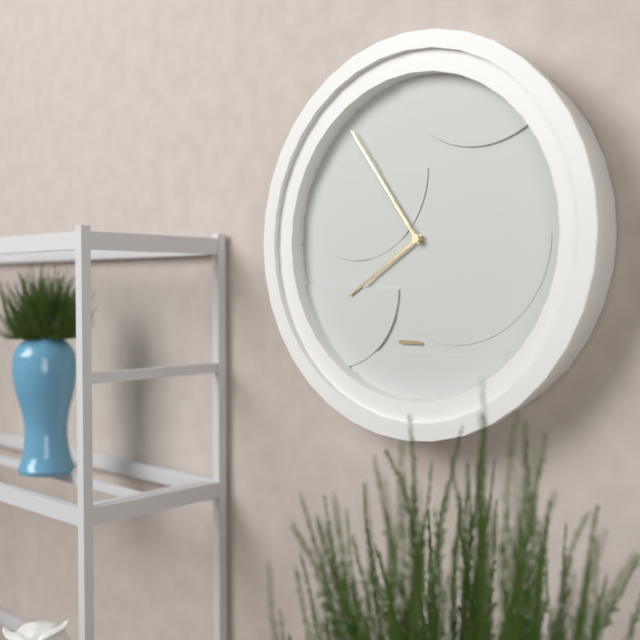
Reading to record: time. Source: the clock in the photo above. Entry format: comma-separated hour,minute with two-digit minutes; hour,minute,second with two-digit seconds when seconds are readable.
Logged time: 7,54
